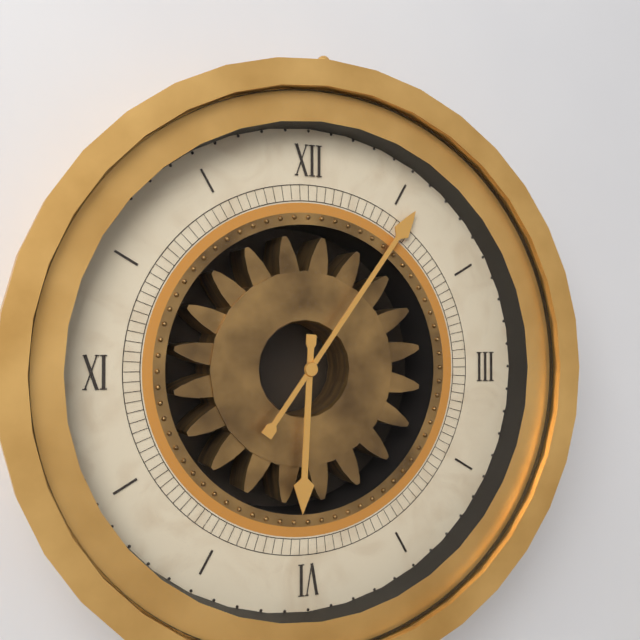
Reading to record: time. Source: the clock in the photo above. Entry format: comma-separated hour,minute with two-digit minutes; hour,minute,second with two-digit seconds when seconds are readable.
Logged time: 6,06
